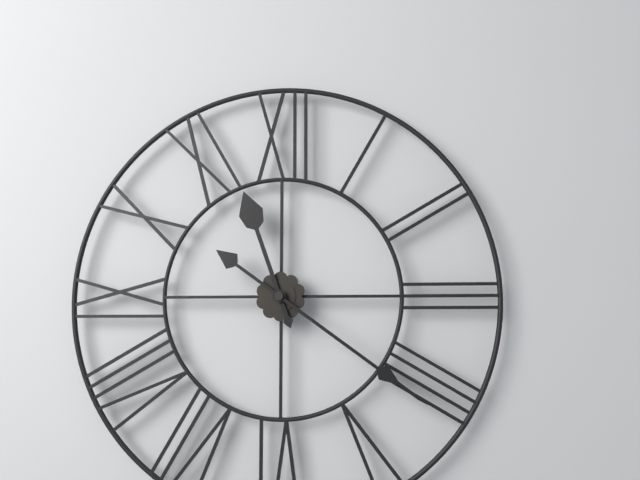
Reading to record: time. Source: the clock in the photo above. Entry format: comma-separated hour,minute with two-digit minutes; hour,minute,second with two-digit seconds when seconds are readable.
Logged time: 11,21
